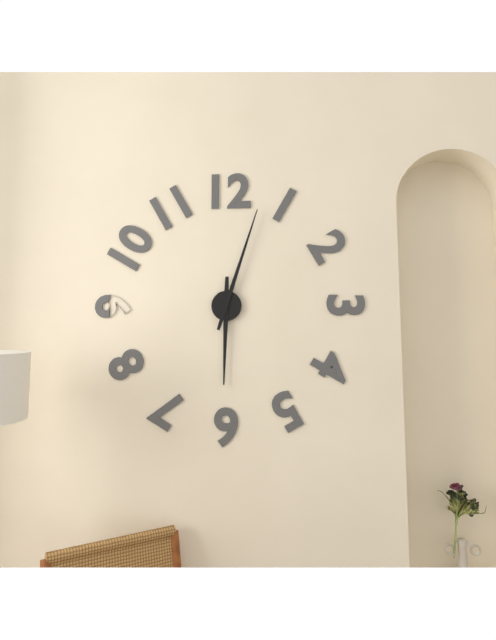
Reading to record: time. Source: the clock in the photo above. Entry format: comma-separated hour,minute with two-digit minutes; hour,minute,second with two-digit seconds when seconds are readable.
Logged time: 6,03
